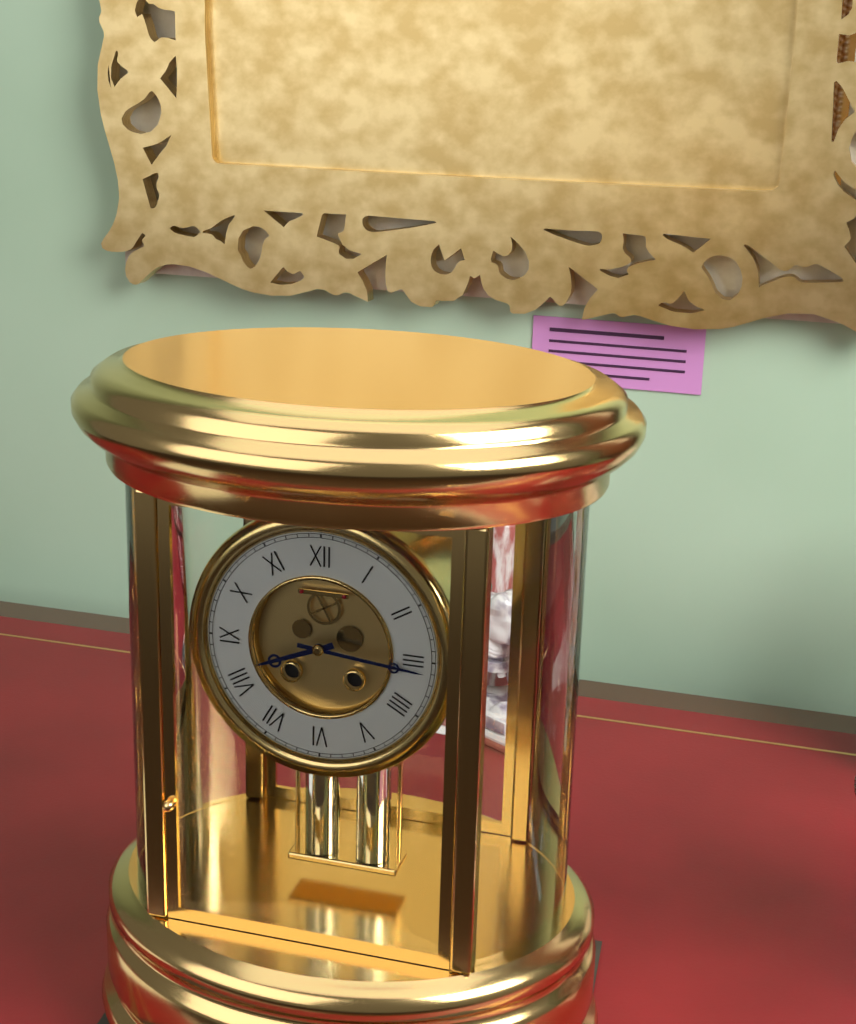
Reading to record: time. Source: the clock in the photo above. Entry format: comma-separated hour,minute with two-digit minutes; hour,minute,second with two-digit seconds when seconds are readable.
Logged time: 8,16
